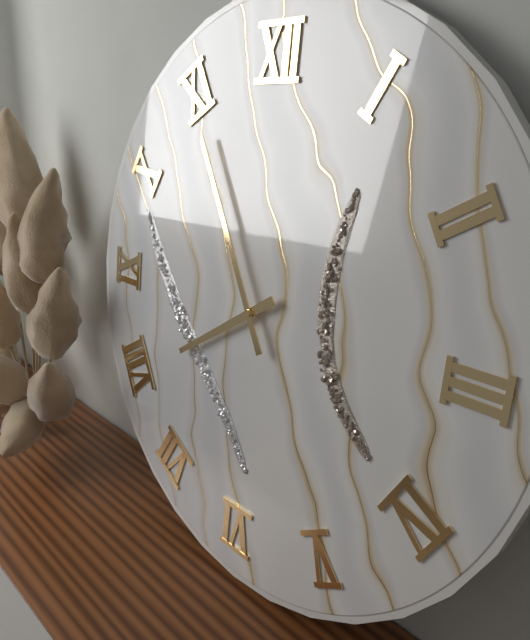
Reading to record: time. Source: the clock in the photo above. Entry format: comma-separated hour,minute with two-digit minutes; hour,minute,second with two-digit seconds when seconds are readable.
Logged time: 7,55
